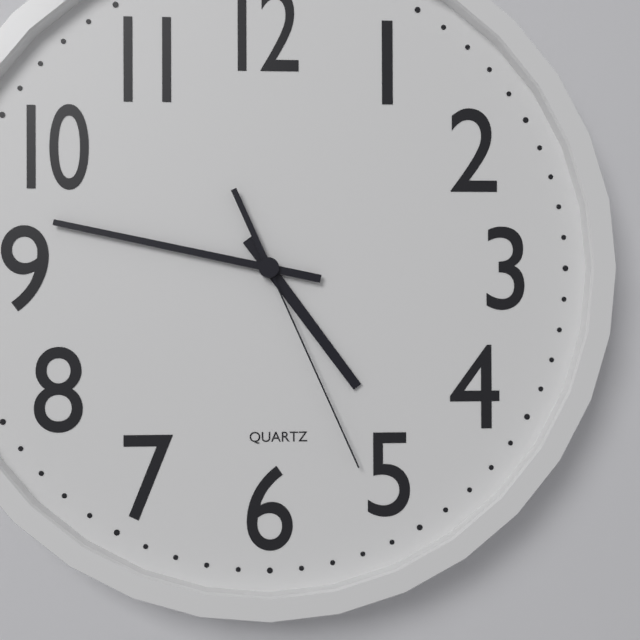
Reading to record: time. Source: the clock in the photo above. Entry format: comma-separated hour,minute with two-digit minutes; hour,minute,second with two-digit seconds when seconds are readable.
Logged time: 4,47,26
